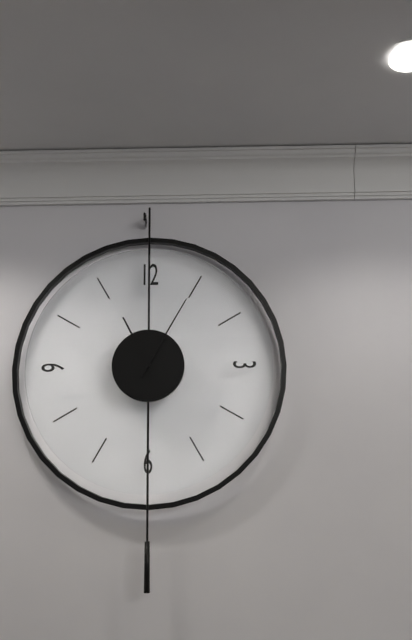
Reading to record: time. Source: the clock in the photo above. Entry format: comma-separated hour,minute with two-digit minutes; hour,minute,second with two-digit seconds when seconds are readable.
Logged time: 11,05
